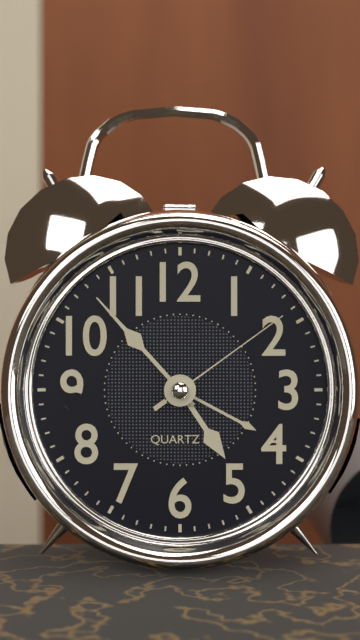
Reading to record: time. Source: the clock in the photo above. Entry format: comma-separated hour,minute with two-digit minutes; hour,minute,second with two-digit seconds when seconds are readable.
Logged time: 4,53,09
